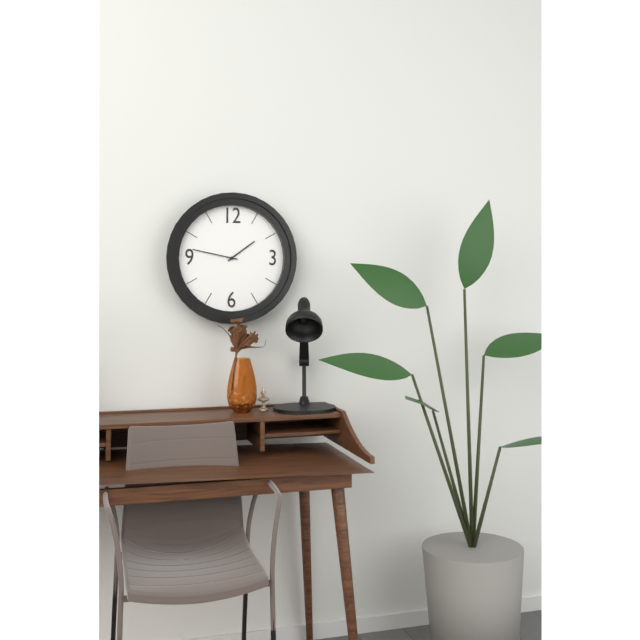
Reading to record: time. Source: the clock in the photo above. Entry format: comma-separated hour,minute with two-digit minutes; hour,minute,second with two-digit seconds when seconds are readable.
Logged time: 1,47
